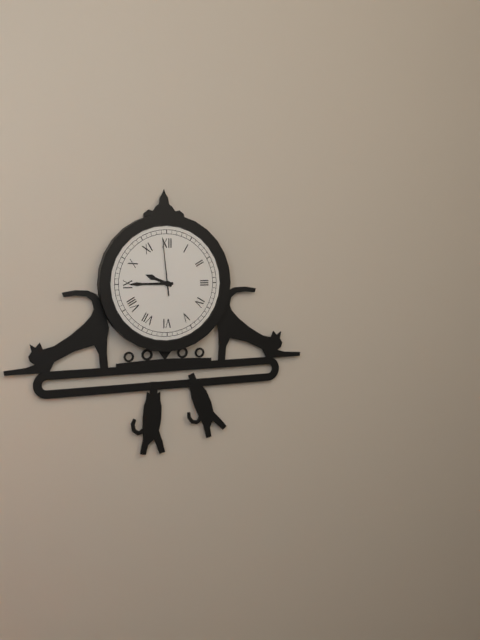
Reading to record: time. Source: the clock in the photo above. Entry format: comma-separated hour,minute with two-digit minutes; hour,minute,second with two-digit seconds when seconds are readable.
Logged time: 9,45,59
